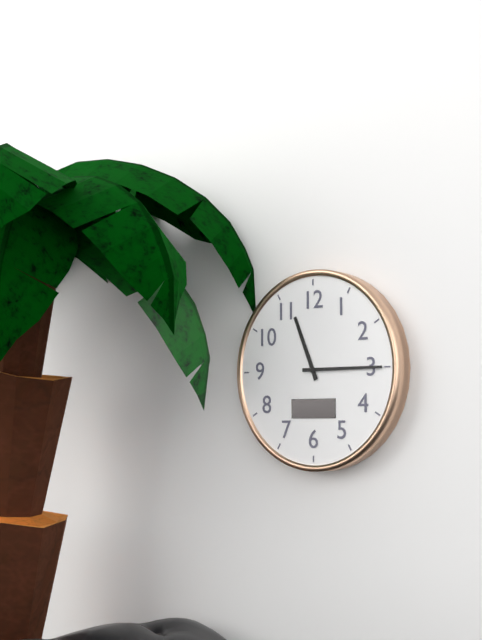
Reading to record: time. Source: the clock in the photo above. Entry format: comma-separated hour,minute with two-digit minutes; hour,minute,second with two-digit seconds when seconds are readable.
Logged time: 11,15
